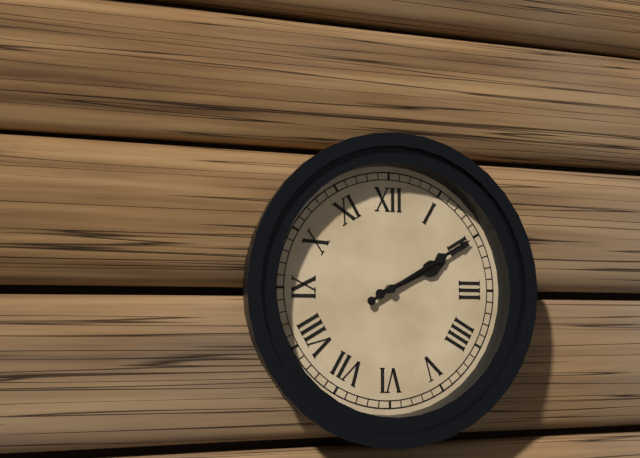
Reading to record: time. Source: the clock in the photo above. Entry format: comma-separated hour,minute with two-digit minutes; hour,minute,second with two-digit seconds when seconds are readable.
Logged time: 2,10
